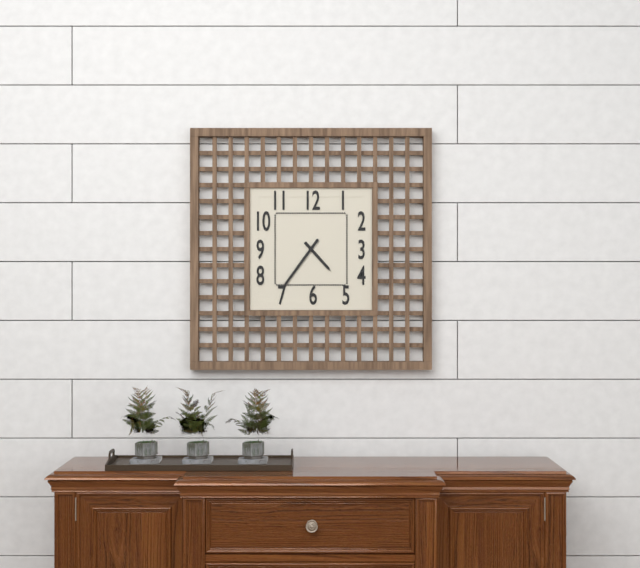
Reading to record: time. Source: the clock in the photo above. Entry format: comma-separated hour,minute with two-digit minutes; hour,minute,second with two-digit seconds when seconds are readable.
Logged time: 4,36
